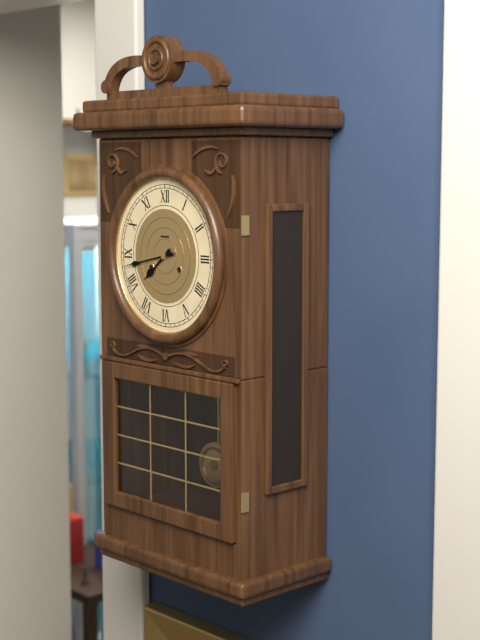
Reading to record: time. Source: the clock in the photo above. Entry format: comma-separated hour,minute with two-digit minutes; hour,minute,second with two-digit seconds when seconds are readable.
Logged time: 7,43
